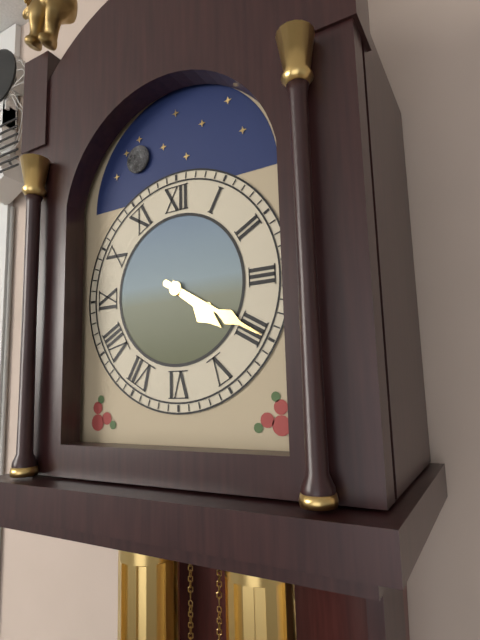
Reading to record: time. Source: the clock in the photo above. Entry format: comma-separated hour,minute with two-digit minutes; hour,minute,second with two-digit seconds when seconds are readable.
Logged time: 4,20
